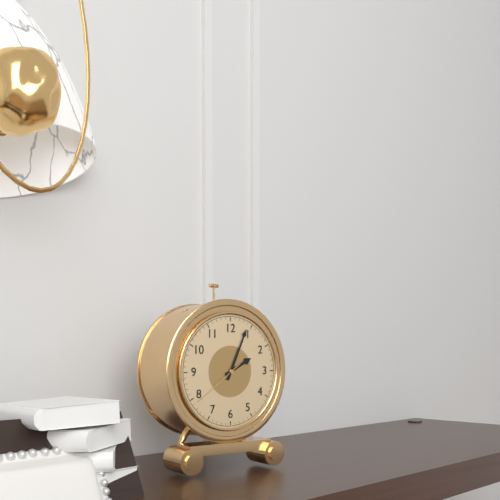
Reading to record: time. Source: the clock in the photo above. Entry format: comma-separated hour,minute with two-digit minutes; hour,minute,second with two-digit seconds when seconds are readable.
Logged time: 2,04,39
